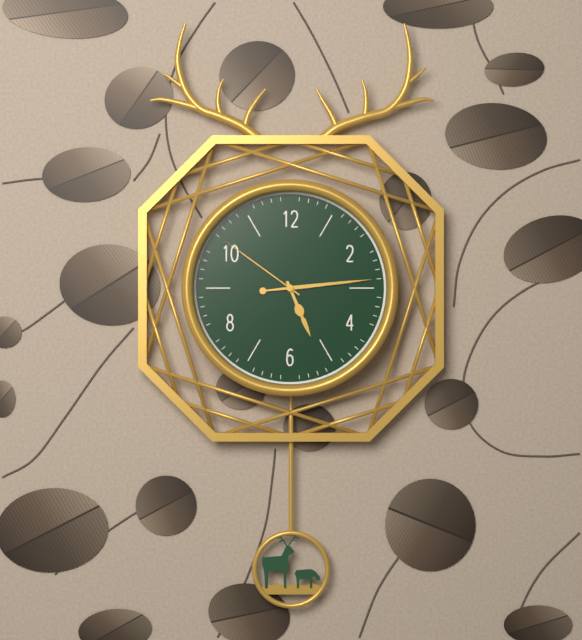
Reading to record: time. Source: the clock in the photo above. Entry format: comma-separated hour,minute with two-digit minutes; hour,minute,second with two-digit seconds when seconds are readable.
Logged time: 5,14,51
